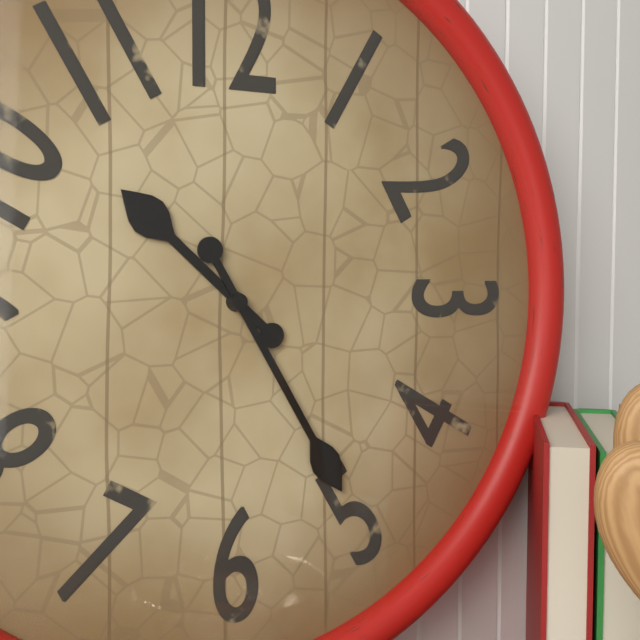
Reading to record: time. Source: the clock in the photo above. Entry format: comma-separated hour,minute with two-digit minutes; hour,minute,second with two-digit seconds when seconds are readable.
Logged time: 10,25
